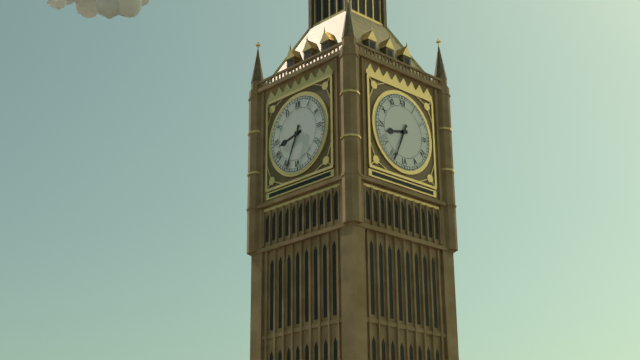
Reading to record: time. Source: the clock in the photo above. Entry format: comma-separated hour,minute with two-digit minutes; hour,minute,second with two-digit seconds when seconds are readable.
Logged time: 8,34
